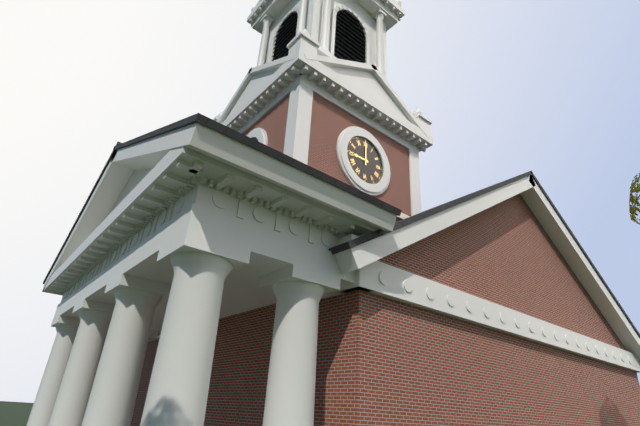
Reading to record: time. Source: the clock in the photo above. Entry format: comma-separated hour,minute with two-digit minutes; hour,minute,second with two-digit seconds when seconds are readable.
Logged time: 9,00
